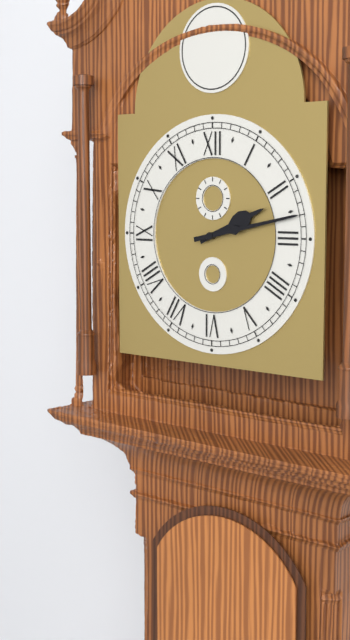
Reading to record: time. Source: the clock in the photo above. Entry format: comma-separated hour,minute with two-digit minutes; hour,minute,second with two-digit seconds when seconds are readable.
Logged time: 2,13
